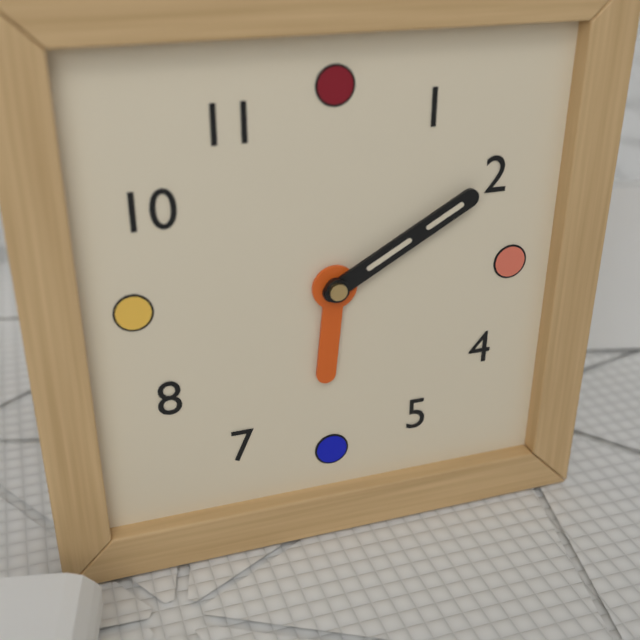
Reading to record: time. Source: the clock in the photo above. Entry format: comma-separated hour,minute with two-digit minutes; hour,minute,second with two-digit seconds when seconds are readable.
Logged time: 6,10
